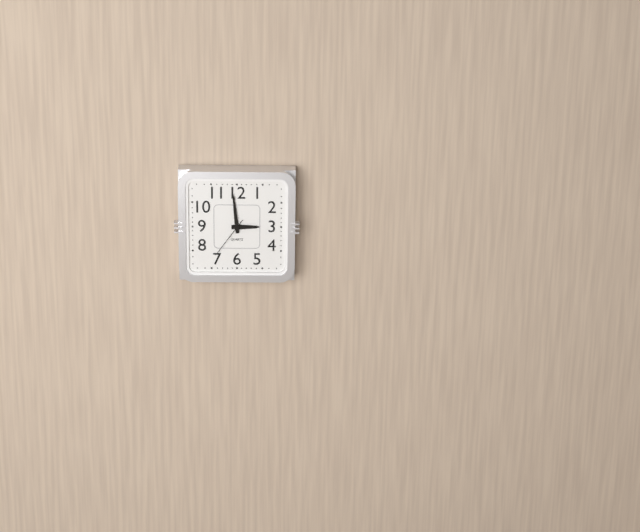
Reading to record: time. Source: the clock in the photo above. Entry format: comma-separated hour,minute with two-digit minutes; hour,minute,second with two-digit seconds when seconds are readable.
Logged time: 2,59,36
